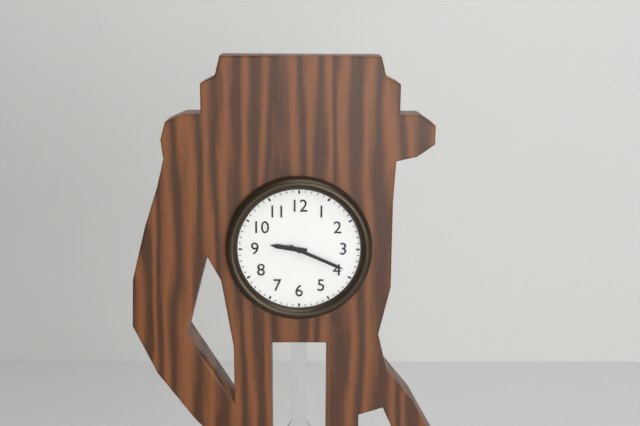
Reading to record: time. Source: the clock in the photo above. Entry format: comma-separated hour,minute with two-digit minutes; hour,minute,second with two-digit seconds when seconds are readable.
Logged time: 9,19
